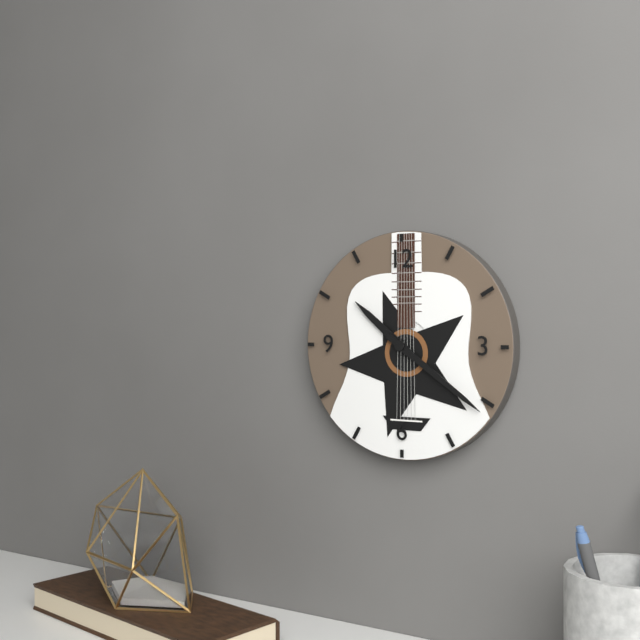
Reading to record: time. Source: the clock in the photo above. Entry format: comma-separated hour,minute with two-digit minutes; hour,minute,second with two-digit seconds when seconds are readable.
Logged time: 10,21
